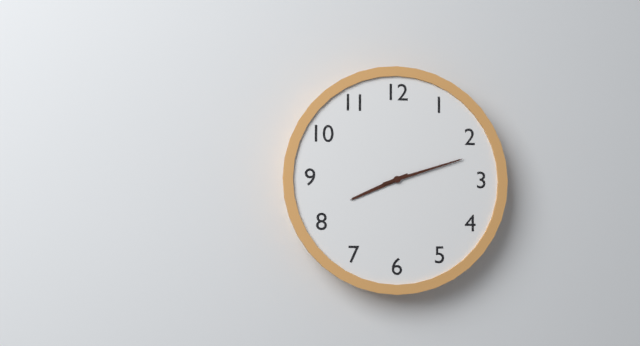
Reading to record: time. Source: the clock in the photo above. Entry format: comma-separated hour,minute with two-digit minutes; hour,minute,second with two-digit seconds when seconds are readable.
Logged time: 8,12
